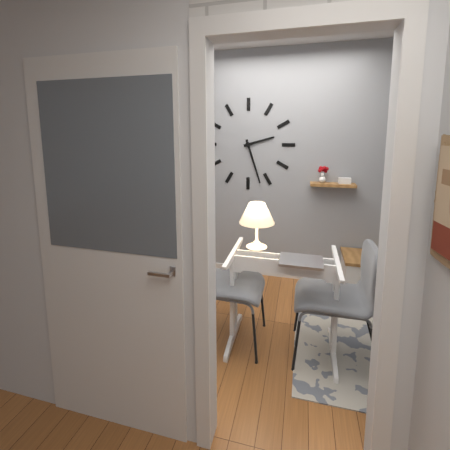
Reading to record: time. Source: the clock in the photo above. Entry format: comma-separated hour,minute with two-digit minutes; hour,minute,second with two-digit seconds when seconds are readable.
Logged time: 2,27
